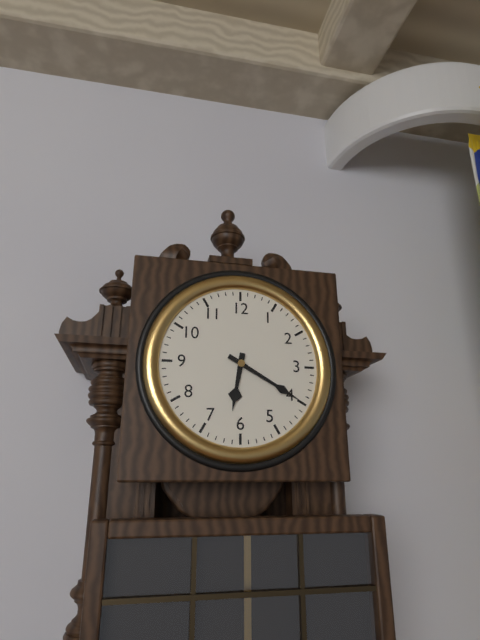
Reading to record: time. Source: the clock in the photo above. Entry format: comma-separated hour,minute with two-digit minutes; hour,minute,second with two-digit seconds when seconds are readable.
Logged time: 6,20
